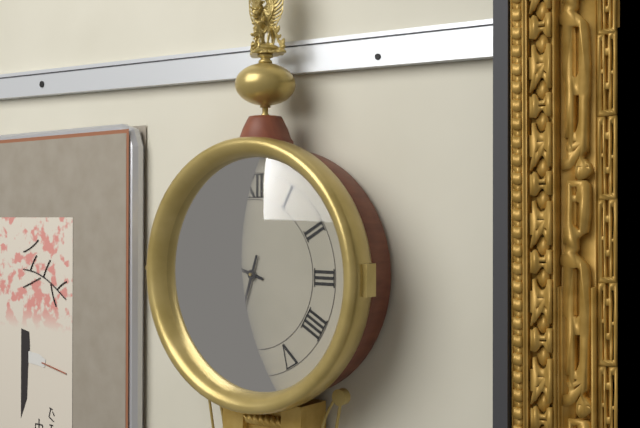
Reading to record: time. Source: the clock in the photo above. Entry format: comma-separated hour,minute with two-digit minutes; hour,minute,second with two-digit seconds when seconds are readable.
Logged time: 9,33
